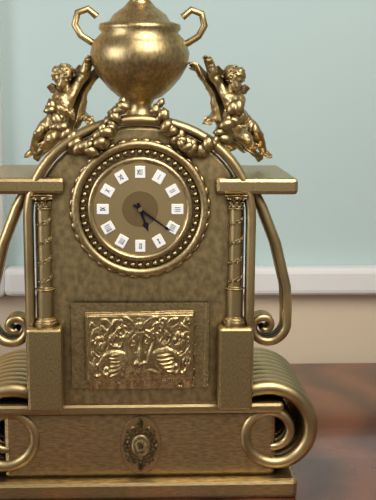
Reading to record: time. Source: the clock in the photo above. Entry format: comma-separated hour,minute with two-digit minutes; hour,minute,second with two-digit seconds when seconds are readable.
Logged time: 5,21
